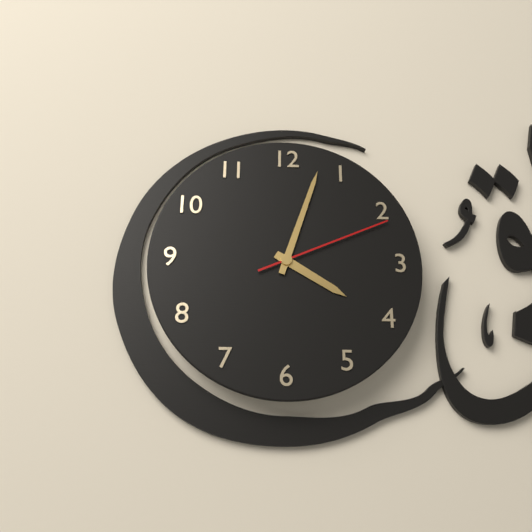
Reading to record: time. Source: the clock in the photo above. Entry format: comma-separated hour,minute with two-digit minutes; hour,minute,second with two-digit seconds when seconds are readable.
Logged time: 4,03,11
